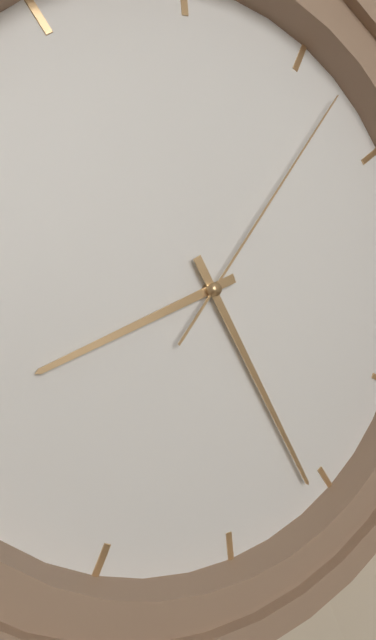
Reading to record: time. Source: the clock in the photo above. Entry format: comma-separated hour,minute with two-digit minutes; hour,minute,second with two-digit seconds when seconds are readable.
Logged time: 8,26,07
